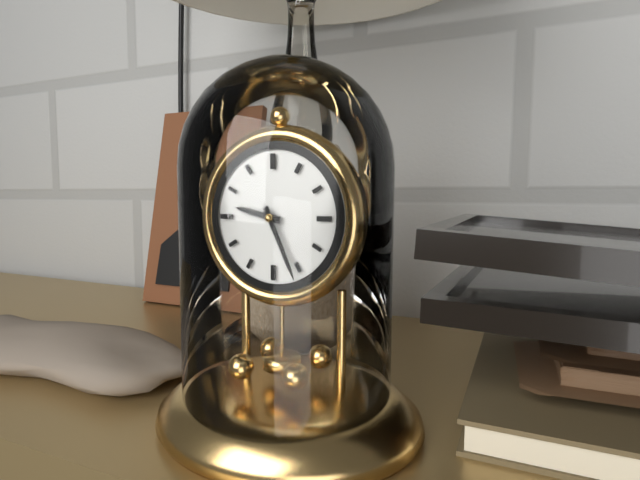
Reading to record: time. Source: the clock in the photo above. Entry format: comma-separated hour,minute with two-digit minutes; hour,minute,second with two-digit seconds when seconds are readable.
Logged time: 9,26
